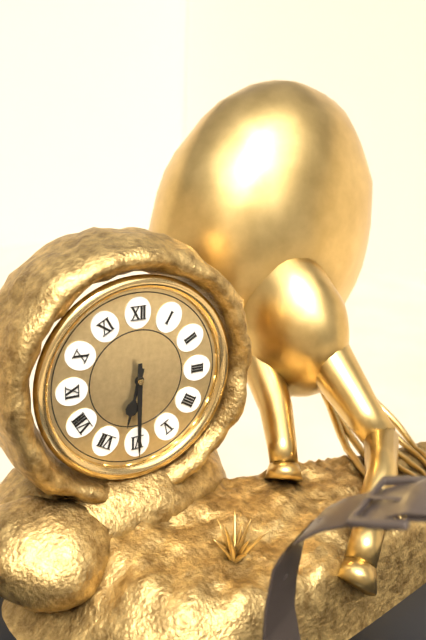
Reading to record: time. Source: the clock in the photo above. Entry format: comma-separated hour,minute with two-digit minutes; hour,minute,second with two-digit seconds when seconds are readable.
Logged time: 6,30
